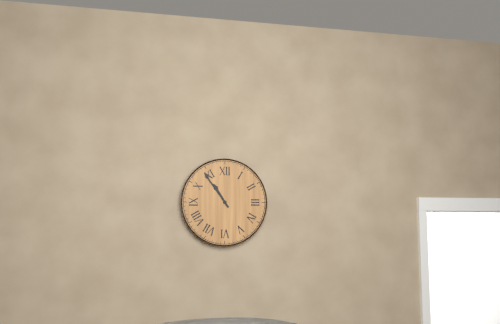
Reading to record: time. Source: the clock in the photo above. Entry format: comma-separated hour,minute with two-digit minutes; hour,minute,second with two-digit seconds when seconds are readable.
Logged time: 10,54
